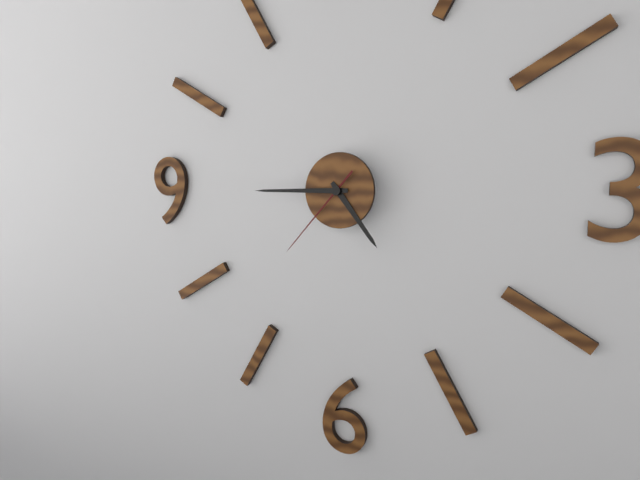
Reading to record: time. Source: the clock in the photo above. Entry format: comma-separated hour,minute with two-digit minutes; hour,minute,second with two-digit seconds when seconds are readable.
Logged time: 4,45,37
